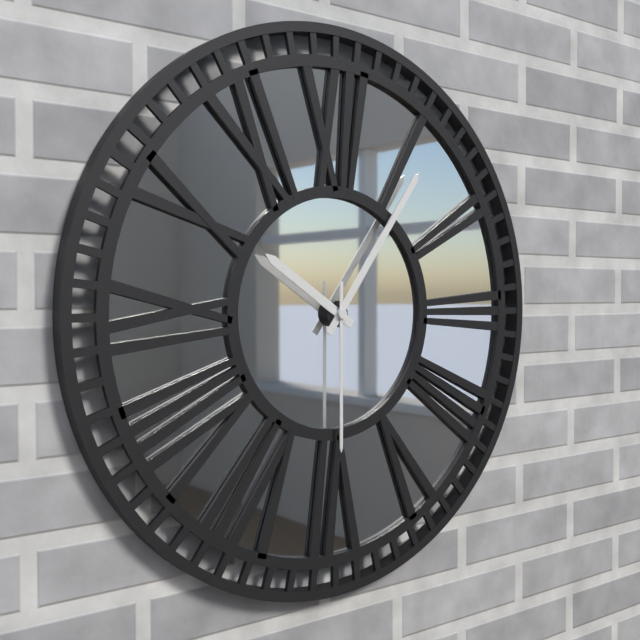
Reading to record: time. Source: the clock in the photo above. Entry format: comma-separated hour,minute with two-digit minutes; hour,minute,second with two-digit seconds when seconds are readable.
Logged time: 10,06,30
